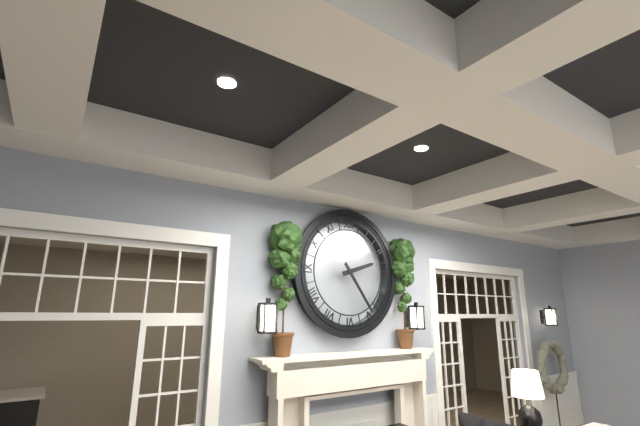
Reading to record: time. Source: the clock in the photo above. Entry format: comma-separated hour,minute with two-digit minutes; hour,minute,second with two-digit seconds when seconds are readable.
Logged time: 2,24
